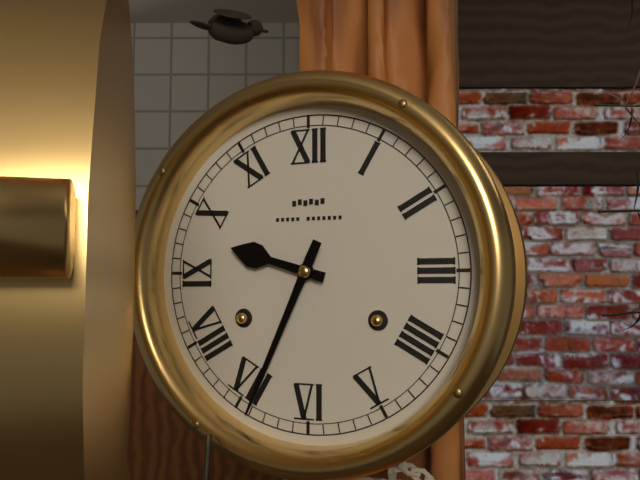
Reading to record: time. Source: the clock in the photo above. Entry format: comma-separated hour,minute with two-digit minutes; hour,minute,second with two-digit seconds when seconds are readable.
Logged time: 9,34
